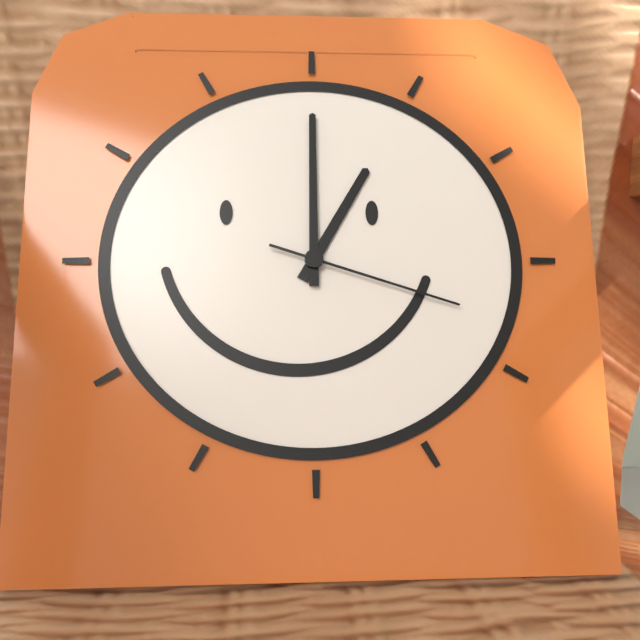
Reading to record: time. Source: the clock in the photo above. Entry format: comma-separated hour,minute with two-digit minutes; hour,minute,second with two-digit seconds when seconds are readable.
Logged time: 1,00,18
